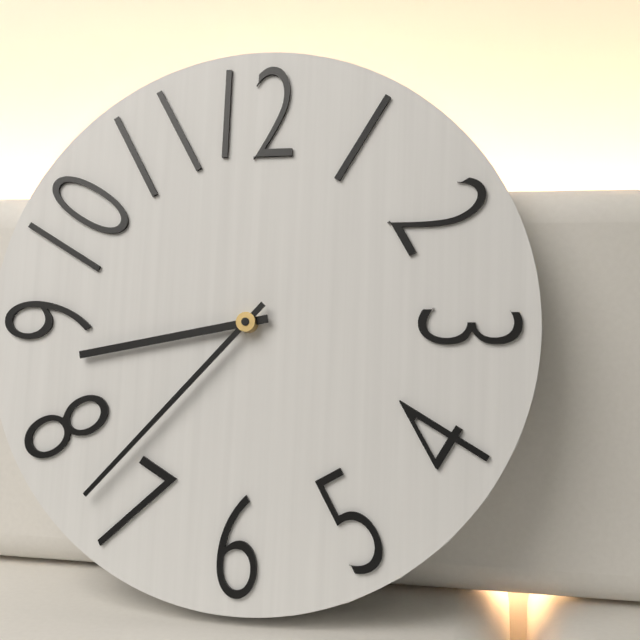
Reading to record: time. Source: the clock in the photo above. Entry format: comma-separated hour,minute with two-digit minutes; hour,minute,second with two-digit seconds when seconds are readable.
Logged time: 8,37
